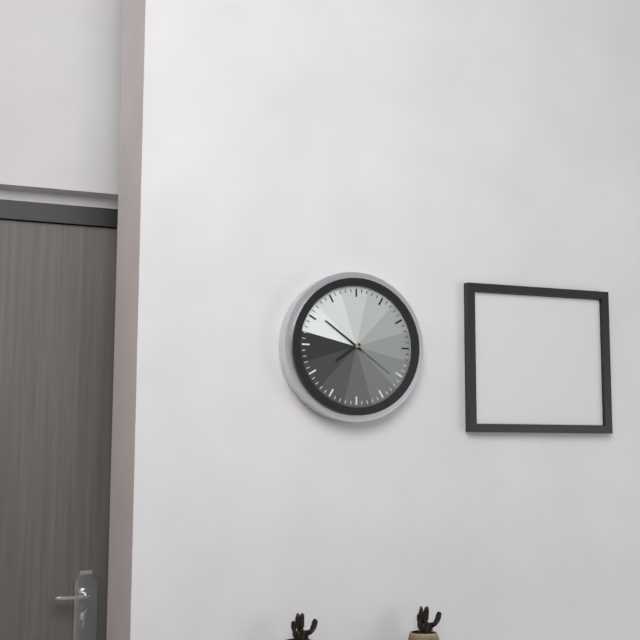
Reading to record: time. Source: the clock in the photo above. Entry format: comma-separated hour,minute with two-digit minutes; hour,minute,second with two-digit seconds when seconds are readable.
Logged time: 7,51,21
